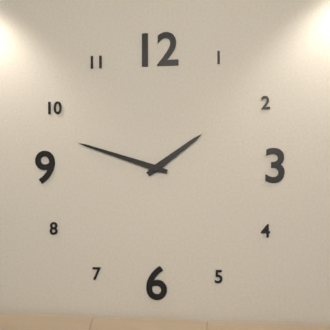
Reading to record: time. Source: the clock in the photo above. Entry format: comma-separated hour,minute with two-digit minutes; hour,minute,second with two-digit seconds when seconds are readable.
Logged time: 1,48
